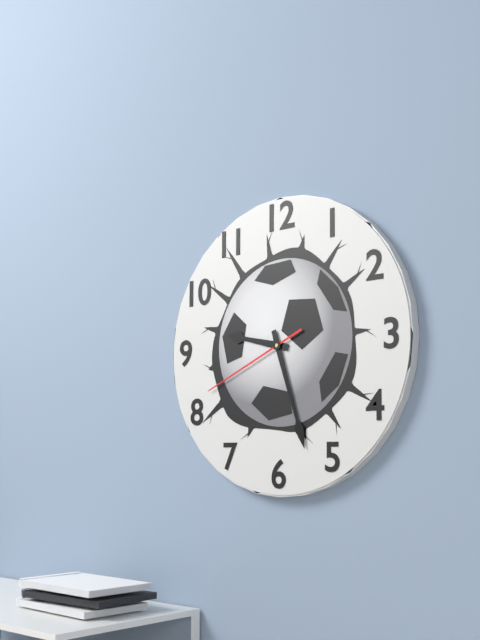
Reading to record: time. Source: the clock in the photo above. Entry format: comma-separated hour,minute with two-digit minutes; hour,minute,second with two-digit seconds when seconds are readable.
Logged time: 9,27,41
